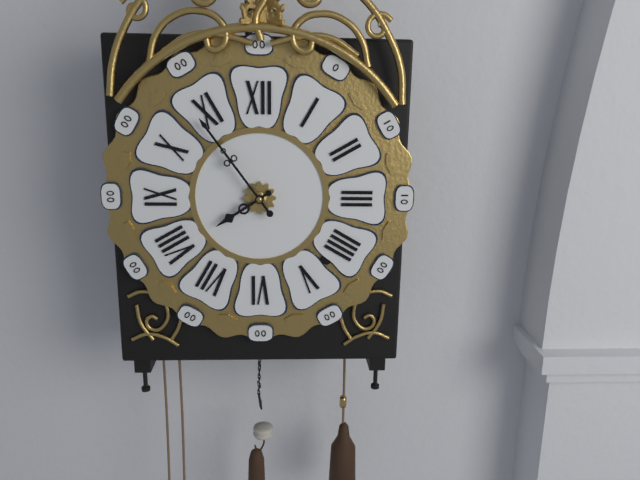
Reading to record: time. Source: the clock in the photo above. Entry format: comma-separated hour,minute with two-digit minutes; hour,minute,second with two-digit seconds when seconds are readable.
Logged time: 7,54
